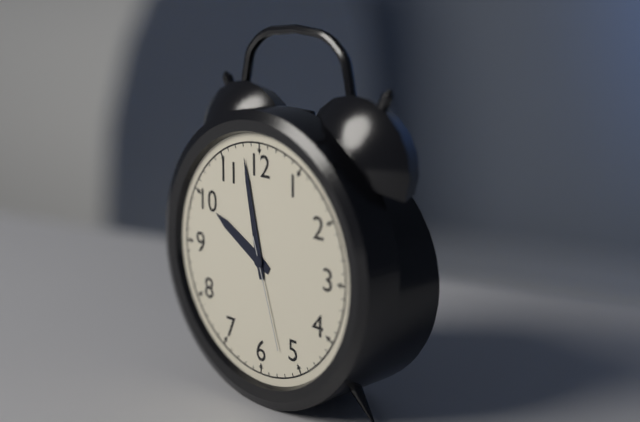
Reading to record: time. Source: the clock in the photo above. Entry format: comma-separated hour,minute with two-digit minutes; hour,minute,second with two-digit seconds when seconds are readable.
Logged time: 9,58,27
